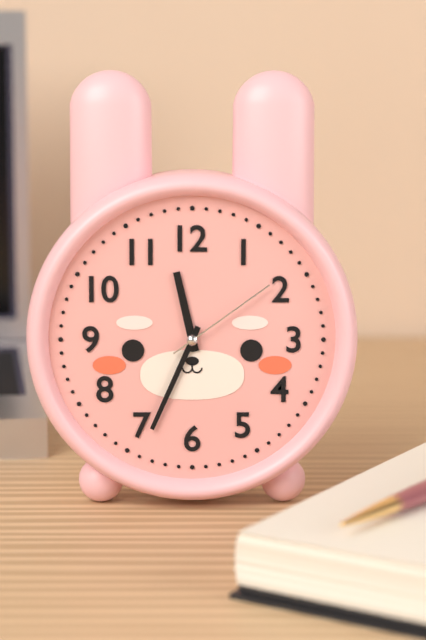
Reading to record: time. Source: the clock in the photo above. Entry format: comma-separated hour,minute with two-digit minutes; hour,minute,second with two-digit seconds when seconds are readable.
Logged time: 11,34,09
